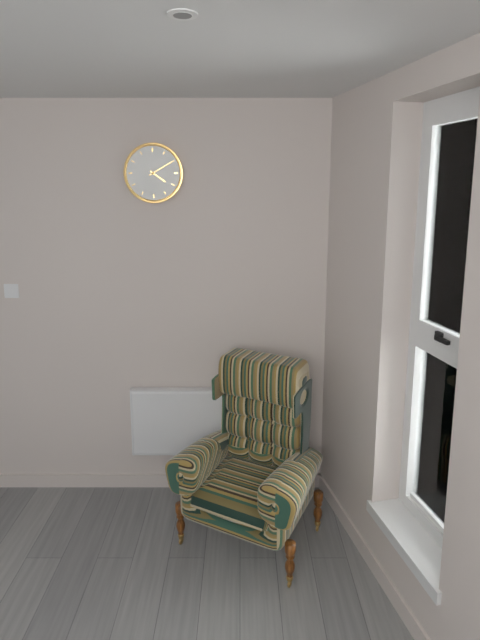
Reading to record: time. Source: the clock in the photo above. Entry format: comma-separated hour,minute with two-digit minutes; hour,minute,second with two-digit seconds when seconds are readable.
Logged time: 4,10
